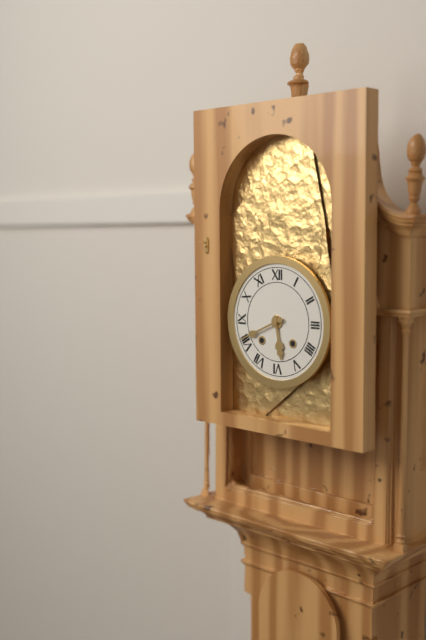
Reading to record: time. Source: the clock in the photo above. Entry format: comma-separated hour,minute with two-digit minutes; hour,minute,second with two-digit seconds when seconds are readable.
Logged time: 5,41
